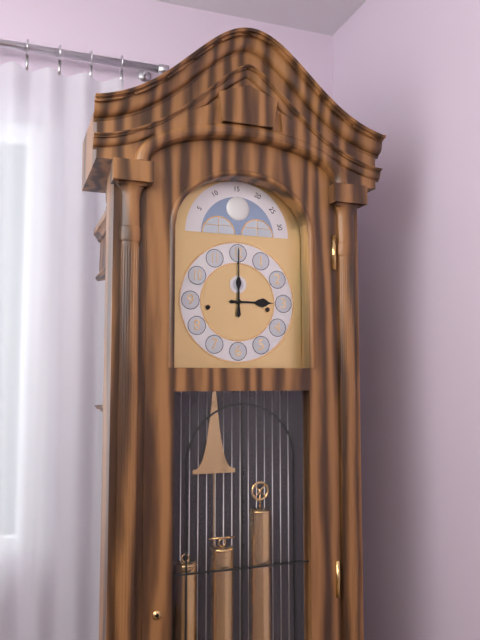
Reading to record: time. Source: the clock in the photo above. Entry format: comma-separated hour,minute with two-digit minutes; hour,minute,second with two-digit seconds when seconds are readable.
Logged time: 3,00
